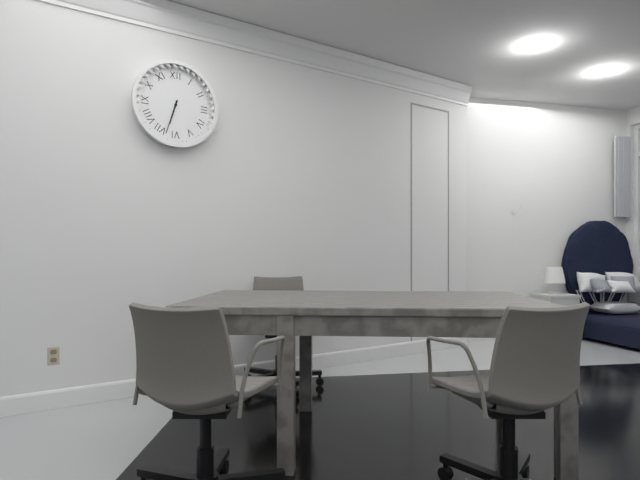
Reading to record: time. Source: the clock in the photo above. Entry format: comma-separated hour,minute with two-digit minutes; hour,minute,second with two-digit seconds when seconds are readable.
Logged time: 6,33
